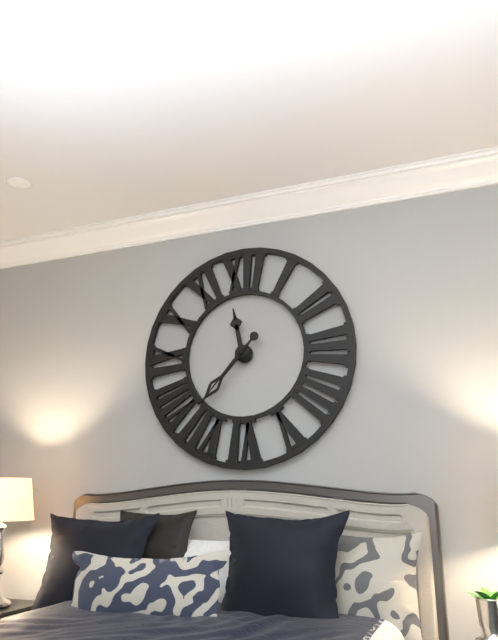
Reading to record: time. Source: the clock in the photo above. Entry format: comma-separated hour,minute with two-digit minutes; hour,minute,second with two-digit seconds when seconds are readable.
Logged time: 11,37,37
